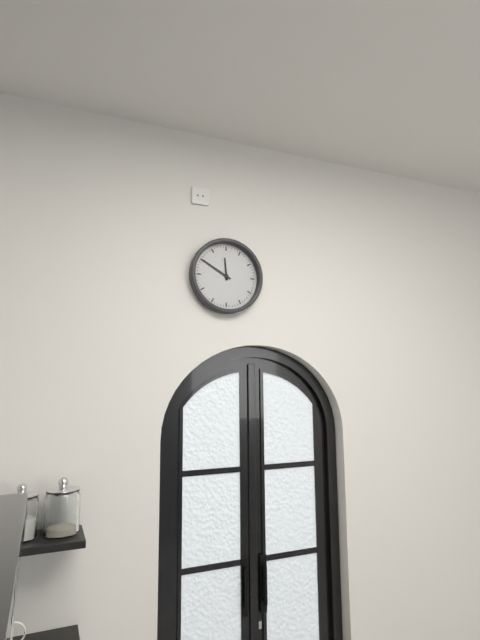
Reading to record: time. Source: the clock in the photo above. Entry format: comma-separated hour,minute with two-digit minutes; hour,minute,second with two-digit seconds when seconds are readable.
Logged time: 11,50
